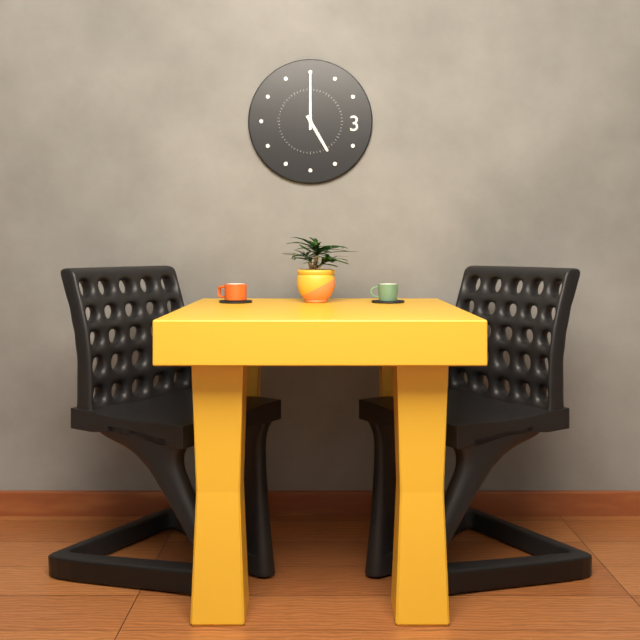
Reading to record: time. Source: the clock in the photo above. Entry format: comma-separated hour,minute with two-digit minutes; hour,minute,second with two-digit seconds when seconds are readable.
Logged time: 5,00
